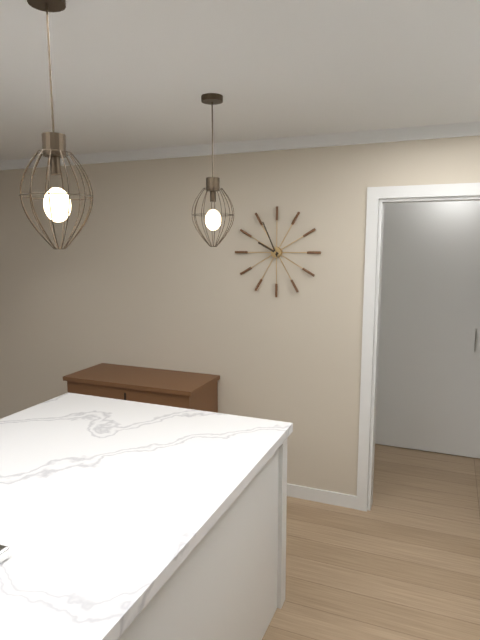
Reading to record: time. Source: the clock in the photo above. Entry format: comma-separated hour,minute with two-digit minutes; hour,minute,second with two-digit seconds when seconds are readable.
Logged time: 9,56
